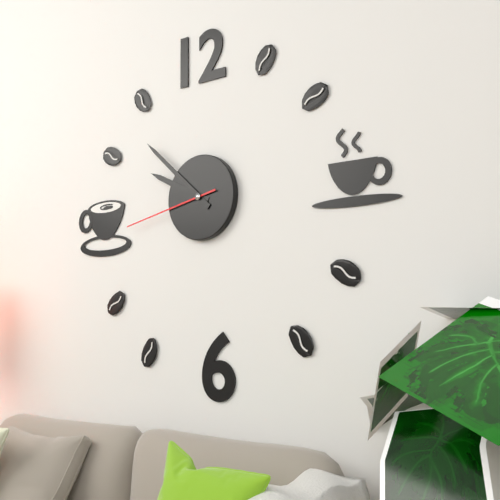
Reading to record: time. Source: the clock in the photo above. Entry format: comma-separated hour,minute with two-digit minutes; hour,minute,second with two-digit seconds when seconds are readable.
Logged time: 9,52,43
